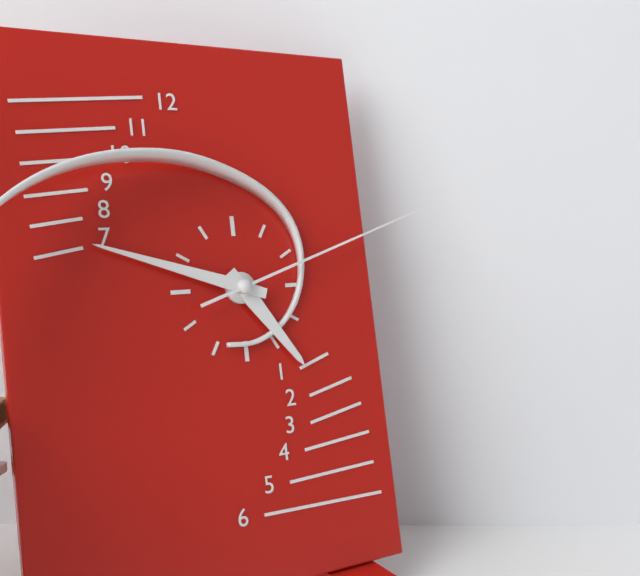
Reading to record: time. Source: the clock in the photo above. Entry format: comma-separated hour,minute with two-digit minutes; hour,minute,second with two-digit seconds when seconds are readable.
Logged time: 4,48,12
